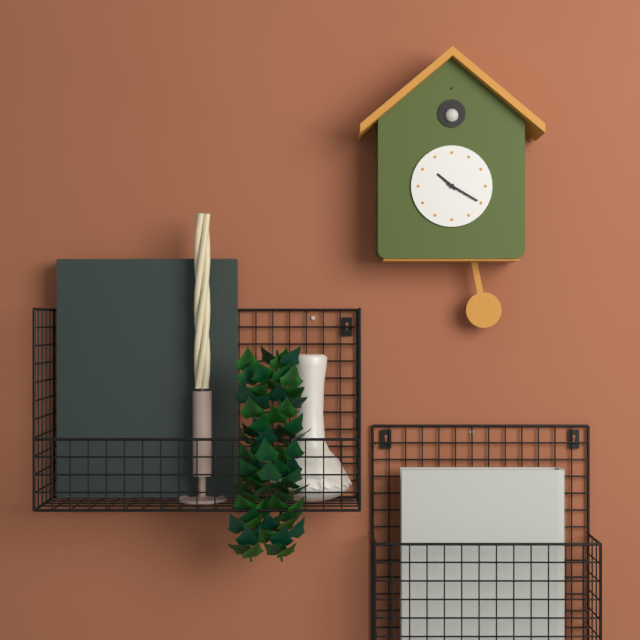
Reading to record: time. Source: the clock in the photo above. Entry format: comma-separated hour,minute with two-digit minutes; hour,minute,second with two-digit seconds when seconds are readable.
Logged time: 10,20
